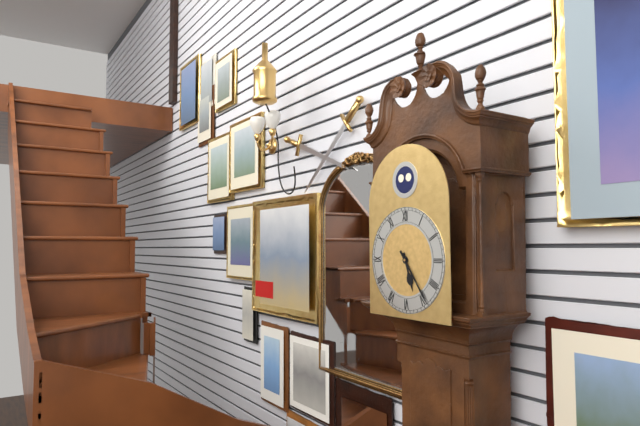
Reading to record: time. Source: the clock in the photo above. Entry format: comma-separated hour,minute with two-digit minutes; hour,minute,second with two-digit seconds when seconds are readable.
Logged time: 5,24
